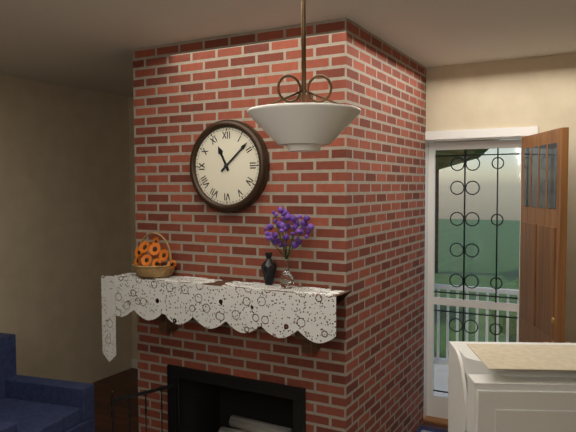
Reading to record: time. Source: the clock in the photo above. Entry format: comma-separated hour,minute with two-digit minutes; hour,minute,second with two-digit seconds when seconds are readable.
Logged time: 11,08
